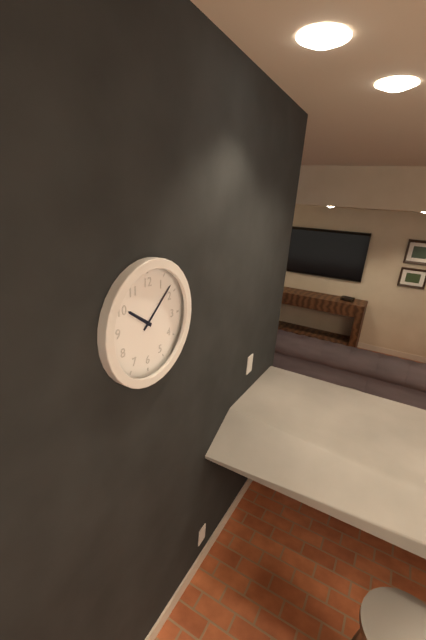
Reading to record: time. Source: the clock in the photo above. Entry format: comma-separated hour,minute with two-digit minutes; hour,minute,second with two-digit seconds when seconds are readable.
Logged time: 10,08
